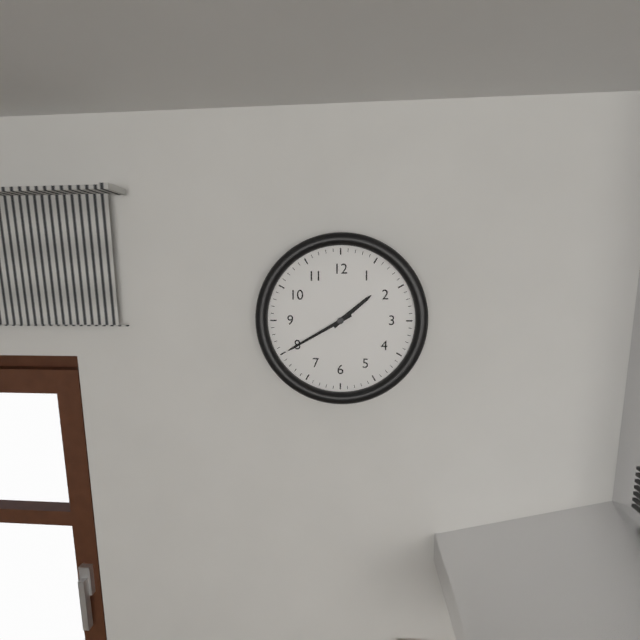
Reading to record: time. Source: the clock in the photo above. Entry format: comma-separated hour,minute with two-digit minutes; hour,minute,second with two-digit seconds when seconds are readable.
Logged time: 1,40
